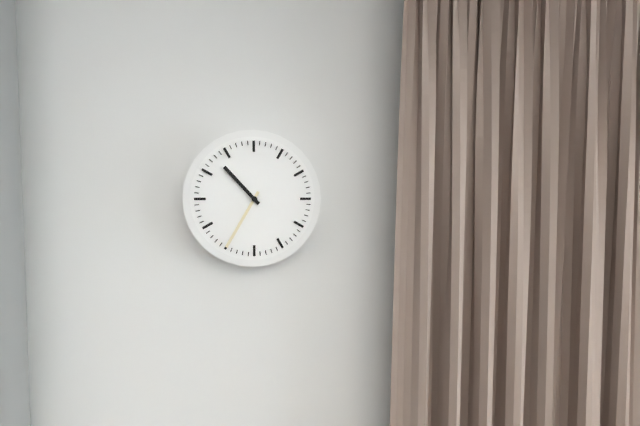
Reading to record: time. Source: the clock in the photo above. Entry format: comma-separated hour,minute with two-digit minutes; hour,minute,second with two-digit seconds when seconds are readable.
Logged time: 10,35
